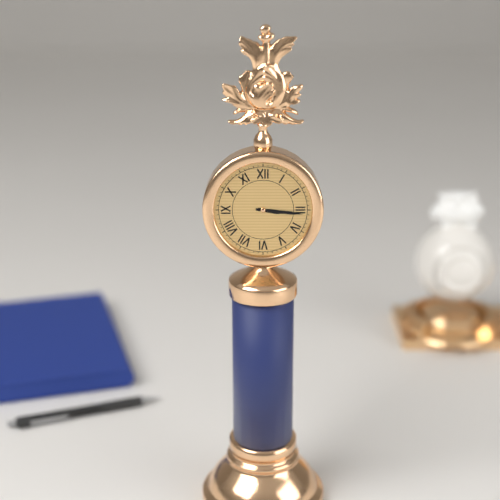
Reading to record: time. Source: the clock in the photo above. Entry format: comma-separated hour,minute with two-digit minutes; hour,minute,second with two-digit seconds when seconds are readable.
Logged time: 3,16
